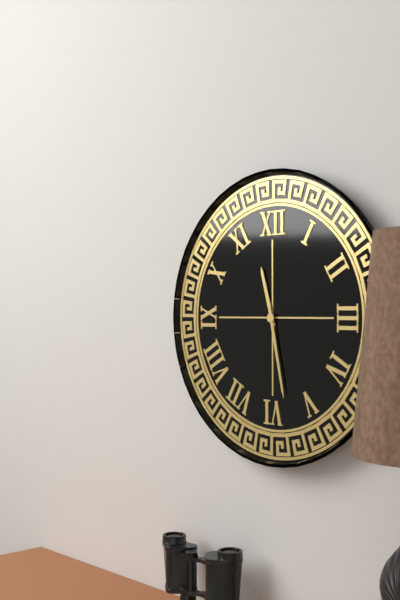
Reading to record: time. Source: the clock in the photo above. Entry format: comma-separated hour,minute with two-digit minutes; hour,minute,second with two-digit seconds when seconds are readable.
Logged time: 11,28
